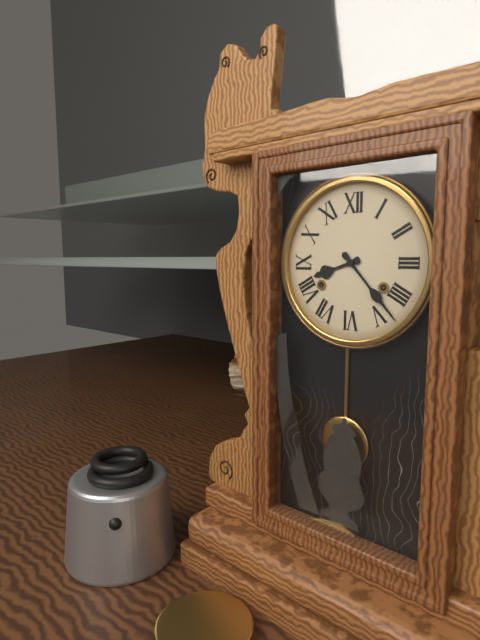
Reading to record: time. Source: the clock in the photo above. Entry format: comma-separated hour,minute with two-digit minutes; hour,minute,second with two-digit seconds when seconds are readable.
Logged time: 8,23
